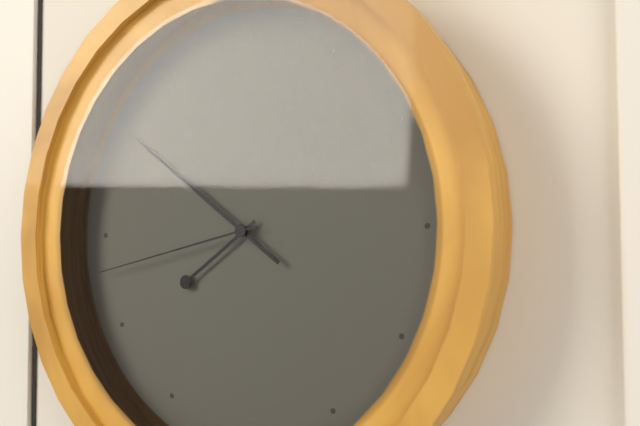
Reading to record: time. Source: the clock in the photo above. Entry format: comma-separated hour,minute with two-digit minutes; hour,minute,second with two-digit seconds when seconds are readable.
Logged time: 7,51,43
